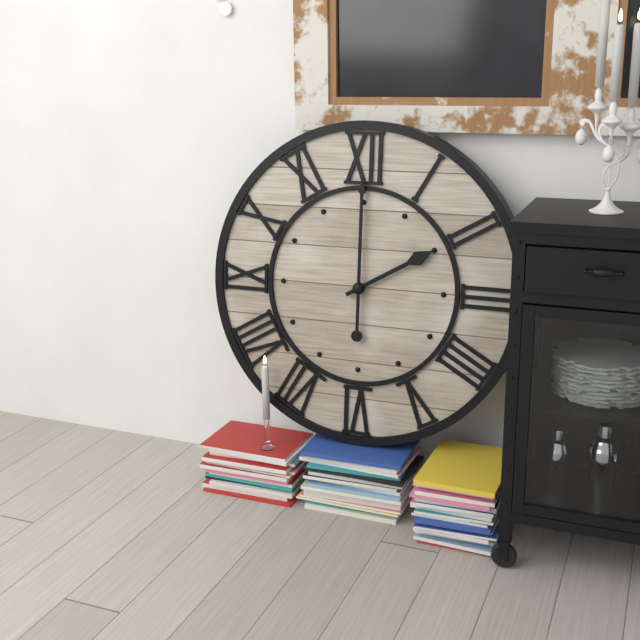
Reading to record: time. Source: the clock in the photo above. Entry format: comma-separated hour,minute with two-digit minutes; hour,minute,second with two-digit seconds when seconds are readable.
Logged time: 2,00
